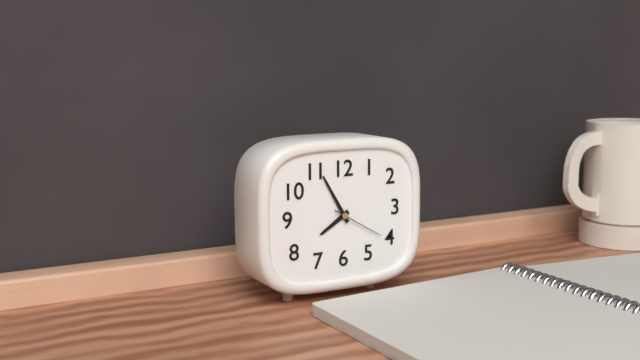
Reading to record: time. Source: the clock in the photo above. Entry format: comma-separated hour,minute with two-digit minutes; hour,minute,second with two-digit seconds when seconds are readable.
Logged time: 7,55,20
